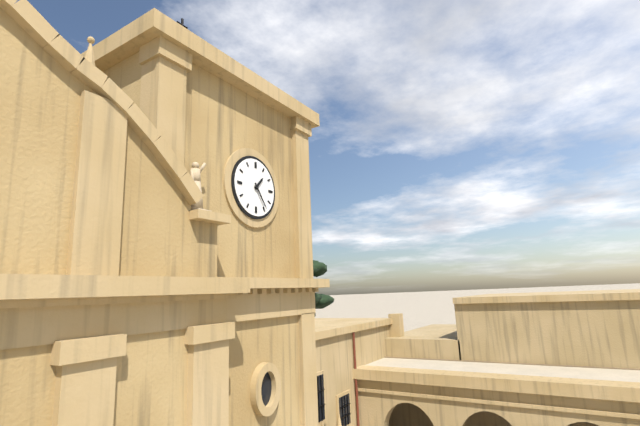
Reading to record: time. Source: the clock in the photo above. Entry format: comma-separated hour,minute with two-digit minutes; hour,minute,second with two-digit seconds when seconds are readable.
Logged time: 1,24
